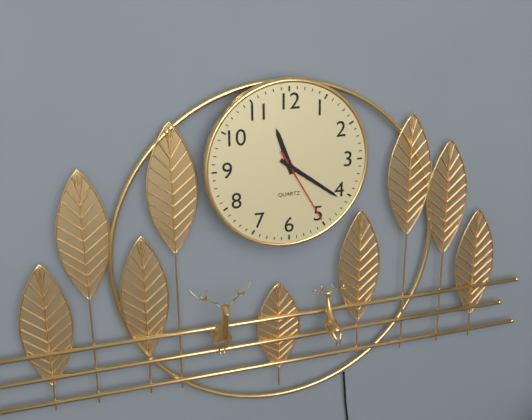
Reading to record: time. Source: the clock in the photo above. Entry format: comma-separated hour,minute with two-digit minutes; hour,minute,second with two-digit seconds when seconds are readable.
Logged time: 11,21,25
